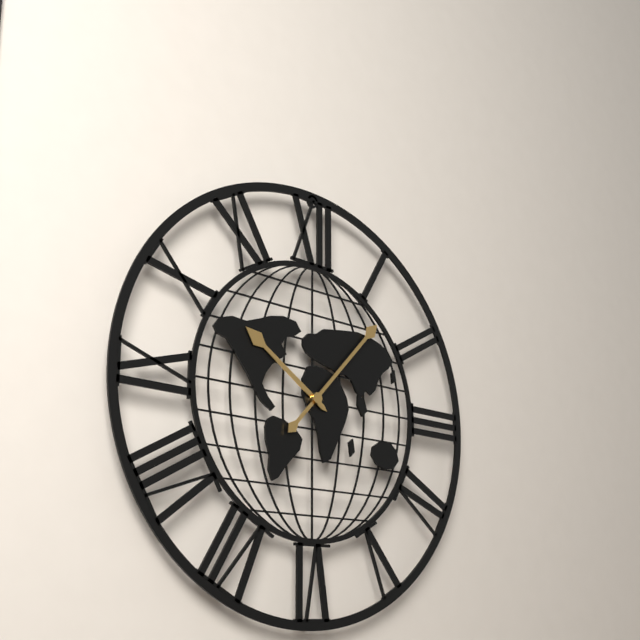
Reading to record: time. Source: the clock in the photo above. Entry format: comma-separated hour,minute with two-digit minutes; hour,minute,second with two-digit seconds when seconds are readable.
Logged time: 10,07
